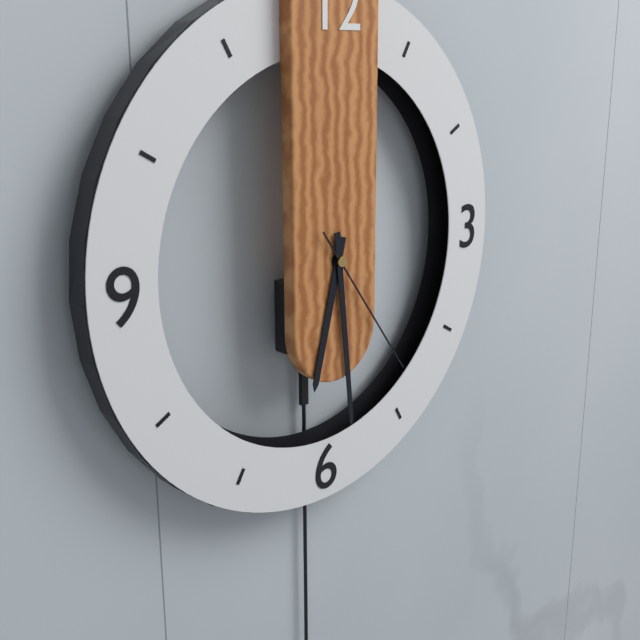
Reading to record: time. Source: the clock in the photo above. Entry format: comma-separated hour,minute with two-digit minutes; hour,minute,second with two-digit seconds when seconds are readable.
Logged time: 6,29,24
